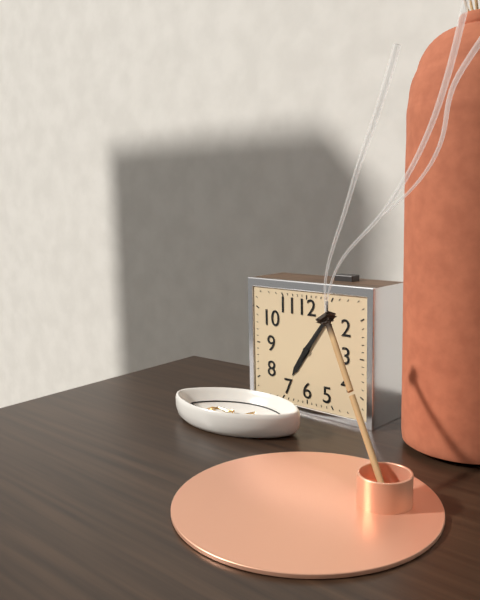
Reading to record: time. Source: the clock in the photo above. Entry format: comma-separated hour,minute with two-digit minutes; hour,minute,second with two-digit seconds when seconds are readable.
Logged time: 7,06
